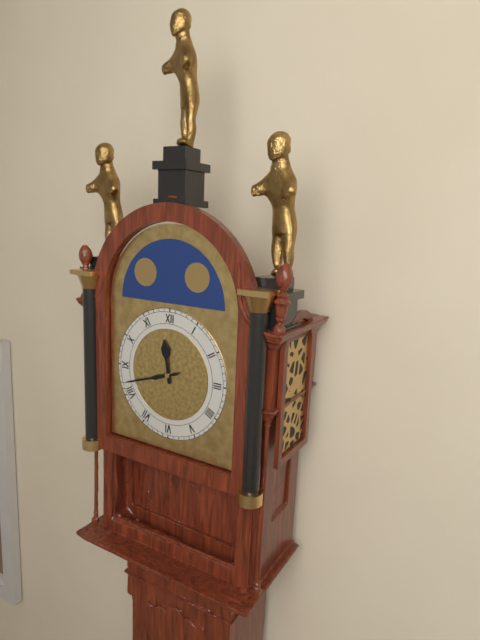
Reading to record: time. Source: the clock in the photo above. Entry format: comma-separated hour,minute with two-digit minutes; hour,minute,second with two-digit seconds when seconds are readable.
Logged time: 11,42
